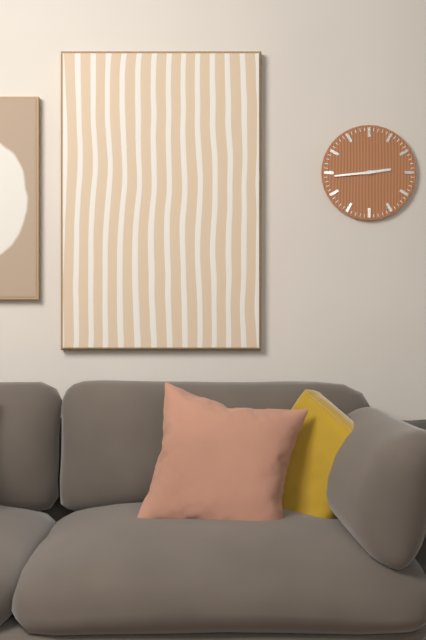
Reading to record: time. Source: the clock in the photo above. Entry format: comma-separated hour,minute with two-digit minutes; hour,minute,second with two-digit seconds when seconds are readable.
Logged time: 2,44
